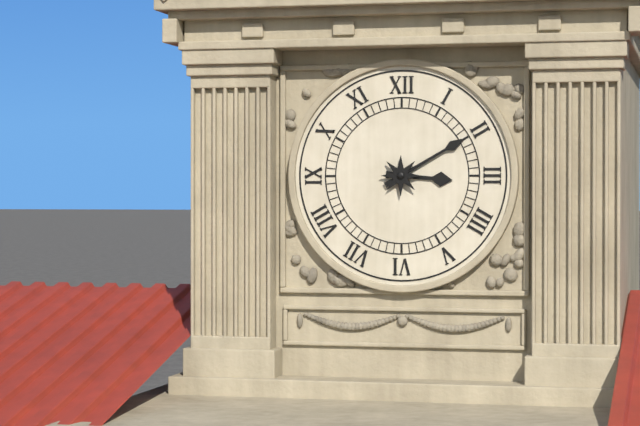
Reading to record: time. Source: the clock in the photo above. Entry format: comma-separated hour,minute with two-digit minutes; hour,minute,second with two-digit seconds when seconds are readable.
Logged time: 3,10
